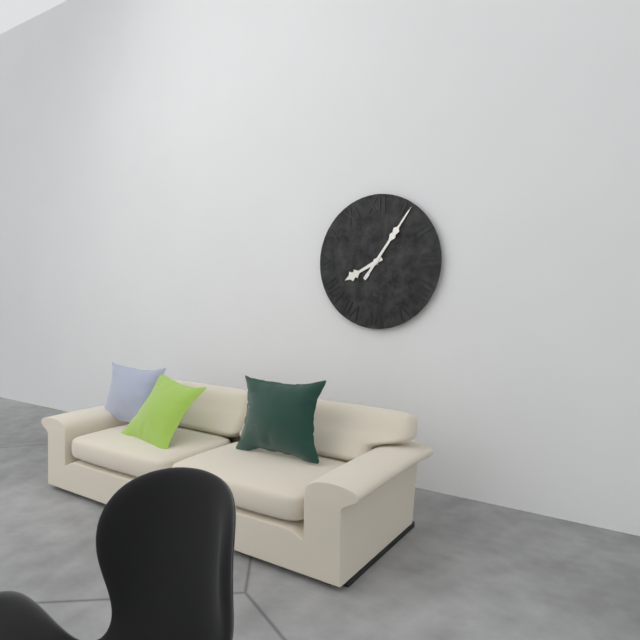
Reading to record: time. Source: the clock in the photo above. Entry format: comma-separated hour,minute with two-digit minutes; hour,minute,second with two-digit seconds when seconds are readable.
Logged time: 8,06
